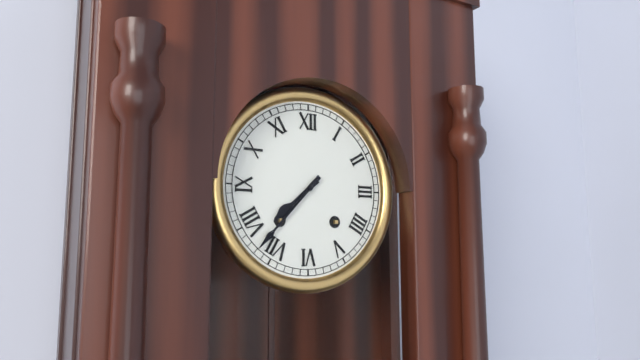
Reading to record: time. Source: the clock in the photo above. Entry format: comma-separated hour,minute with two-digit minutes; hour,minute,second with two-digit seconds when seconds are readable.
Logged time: 7,37
